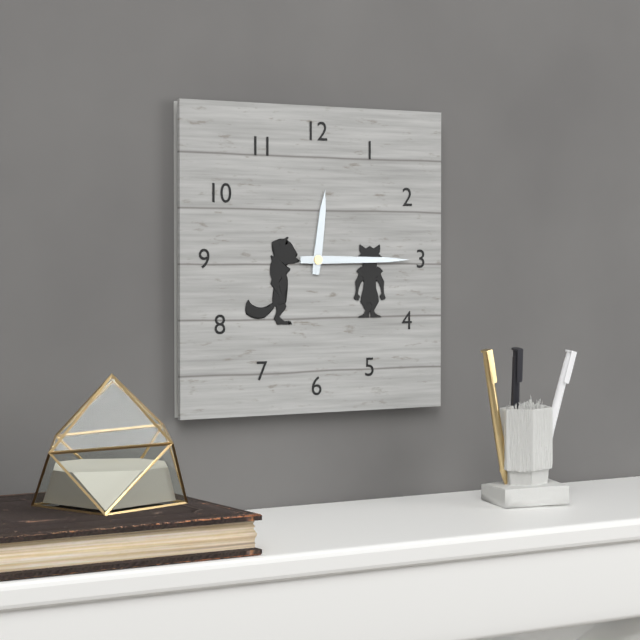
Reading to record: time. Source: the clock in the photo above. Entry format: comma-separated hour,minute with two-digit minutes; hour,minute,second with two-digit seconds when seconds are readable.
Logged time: 12,15
